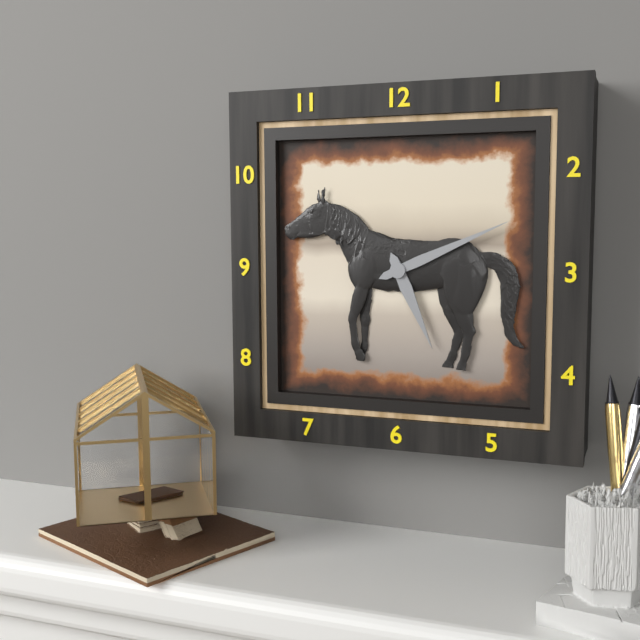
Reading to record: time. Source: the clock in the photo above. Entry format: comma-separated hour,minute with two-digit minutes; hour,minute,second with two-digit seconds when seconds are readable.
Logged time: 5,11
